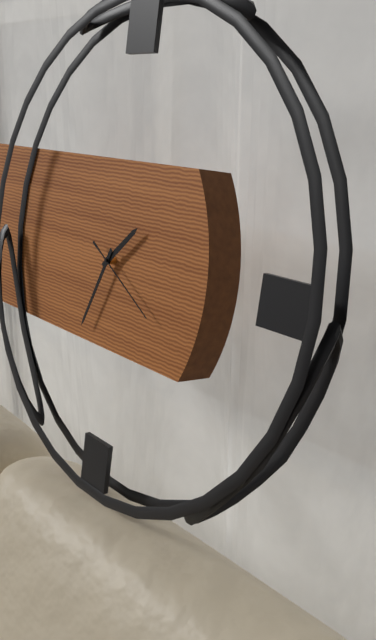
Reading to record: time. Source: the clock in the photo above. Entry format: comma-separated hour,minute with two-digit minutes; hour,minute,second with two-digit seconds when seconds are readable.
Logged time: 1,34,20
